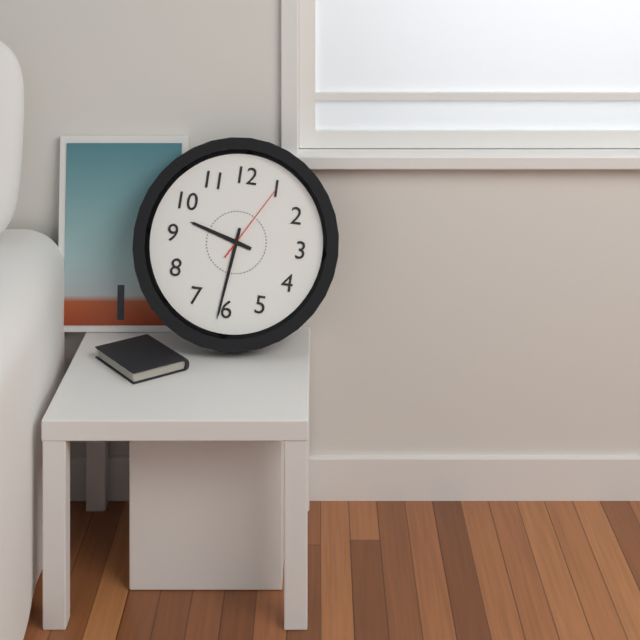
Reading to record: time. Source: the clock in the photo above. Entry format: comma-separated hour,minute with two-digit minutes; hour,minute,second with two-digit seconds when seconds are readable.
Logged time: 9,31,05
